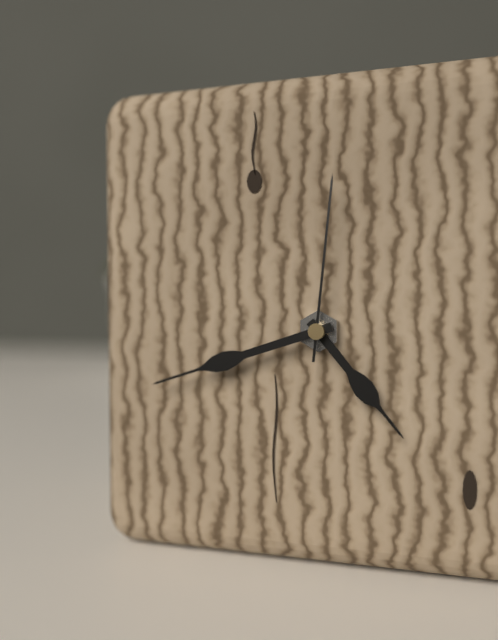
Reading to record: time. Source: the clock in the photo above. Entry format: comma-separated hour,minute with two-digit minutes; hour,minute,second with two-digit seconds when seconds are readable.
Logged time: 4,42,01
